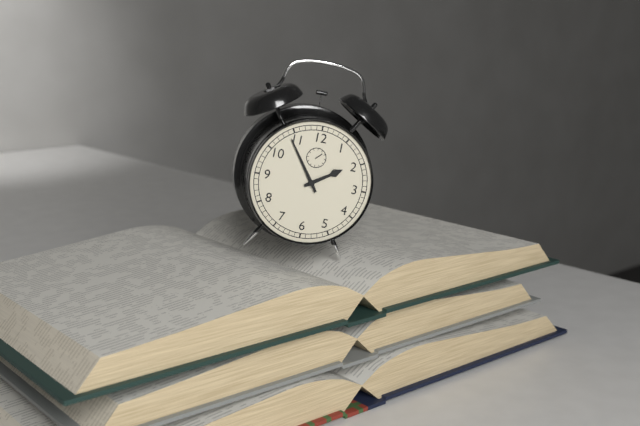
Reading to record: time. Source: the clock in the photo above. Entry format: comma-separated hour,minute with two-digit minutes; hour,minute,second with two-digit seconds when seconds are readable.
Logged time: 1,54
